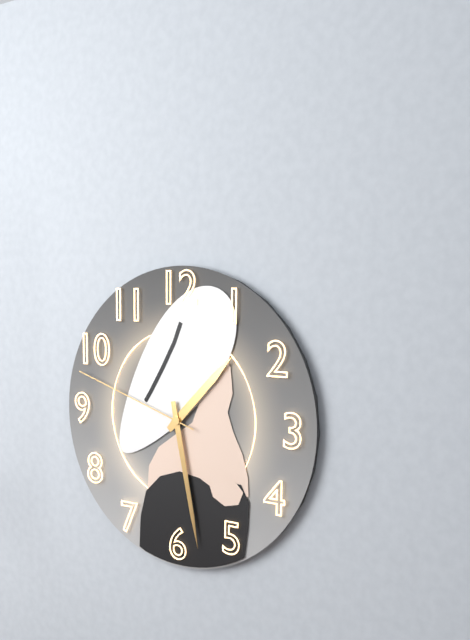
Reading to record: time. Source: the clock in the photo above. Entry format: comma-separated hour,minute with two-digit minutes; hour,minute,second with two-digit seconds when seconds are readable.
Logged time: 1,28,48
